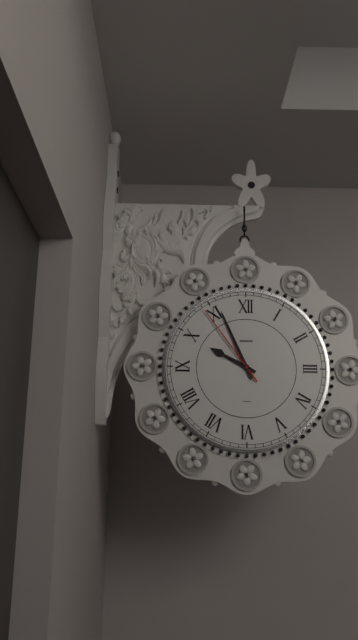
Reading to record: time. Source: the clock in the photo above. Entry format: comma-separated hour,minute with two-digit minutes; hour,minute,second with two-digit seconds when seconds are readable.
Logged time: 9,56,54
